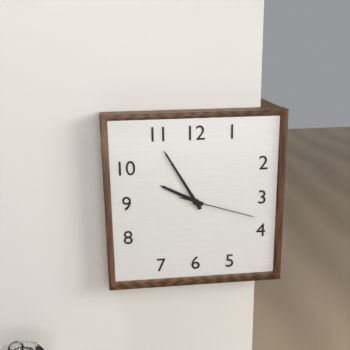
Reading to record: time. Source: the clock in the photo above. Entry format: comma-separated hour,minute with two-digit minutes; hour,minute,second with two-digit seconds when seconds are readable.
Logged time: 9,55,18
